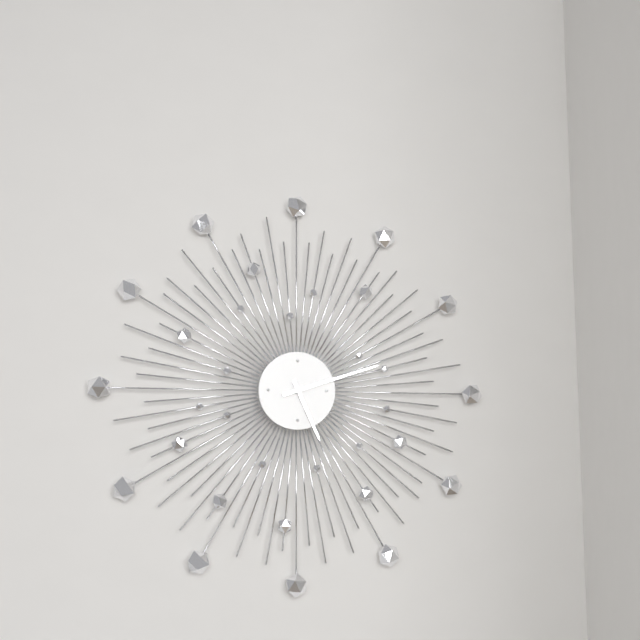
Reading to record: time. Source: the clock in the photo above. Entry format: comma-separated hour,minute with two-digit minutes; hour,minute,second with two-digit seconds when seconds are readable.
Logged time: 5,12
